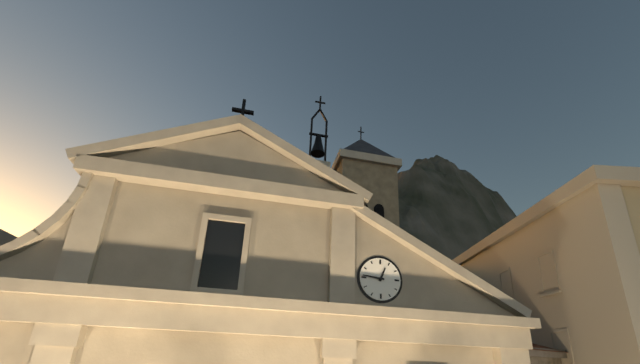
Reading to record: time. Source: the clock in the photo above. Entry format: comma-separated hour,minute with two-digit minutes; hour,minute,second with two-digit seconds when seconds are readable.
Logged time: 12,46
